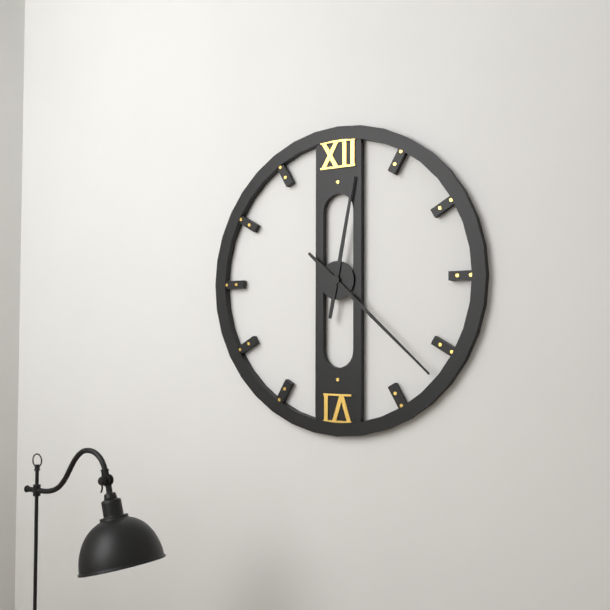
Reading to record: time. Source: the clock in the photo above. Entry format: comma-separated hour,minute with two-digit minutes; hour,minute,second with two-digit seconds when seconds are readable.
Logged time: 12,22
